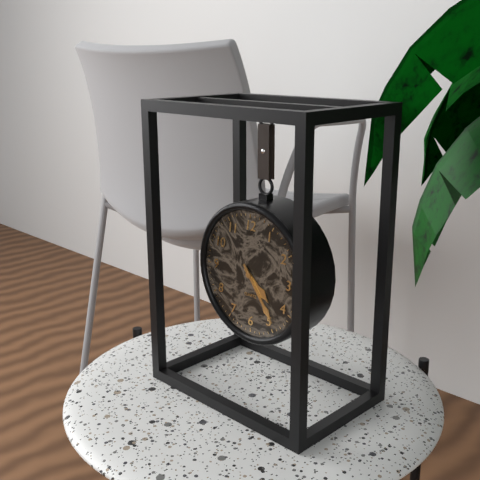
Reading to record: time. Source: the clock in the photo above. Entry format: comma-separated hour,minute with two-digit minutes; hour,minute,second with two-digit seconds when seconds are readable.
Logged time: 4,24
